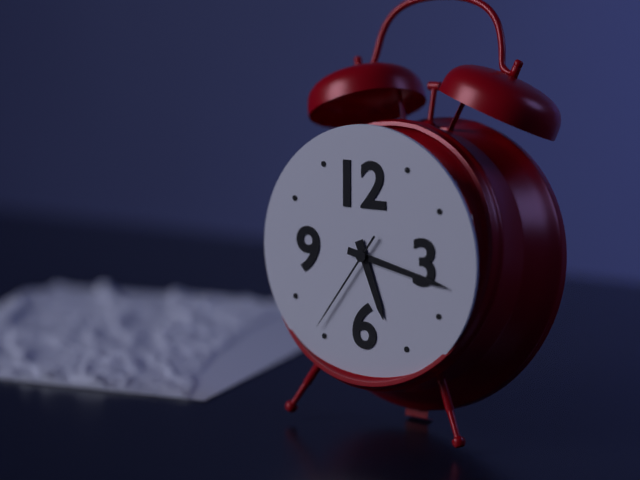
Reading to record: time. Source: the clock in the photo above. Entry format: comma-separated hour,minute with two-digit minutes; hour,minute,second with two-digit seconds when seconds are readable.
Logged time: 5,17,36
